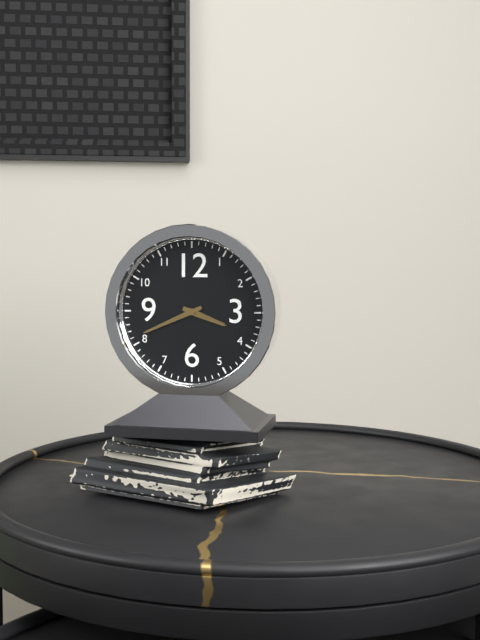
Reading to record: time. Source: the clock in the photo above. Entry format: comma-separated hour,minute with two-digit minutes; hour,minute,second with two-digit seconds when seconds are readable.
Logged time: 3,41
